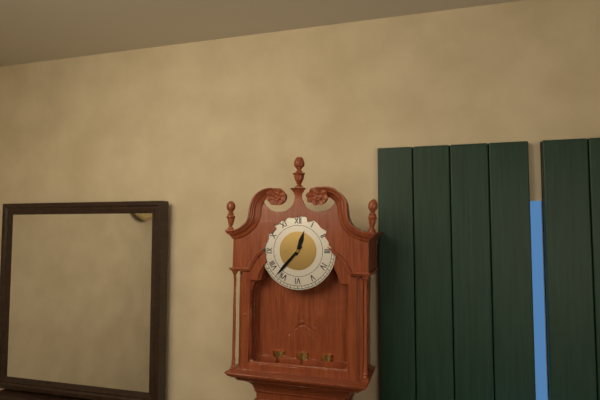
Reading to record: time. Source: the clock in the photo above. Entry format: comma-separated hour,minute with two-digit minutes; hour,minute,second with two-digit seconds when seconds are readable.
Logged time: 12,37
